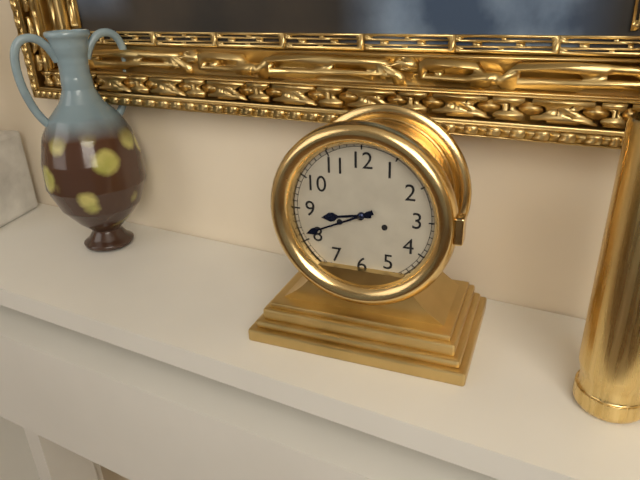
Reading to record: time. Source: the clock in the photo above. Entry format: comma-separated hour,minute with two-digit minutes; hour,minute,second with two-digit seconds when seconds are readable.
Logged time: 8,41
